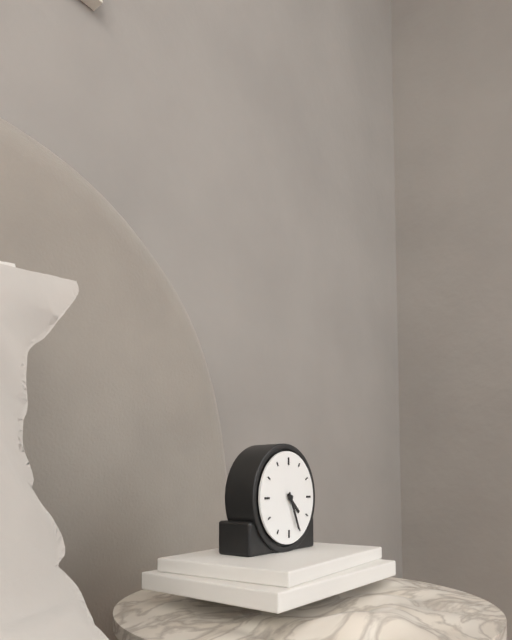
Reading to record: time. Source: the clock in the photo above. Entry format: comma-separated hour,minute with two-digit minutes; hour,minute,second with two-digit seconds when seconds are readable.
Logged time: 4,26
